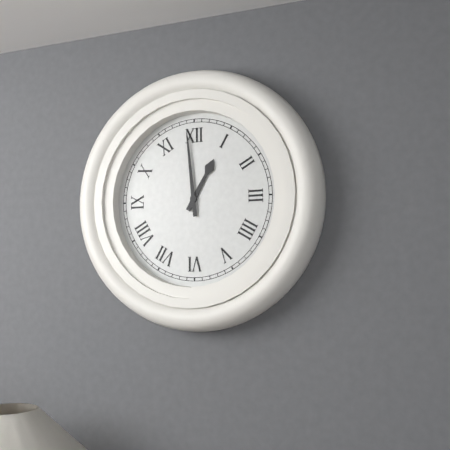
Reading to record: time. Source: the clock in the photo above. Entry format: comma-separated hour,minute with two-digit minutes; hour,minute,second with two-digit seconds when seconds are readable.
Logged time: 12,59
